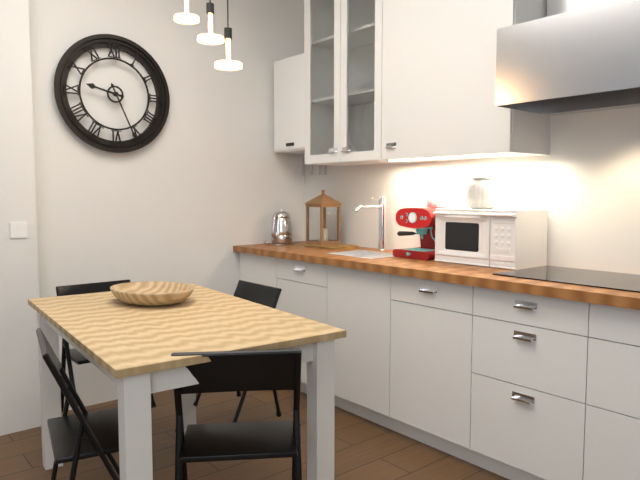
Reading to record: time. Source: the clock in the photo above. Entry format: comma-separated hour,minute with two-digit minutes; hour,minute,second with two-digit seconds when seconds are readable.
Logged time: 9,26
